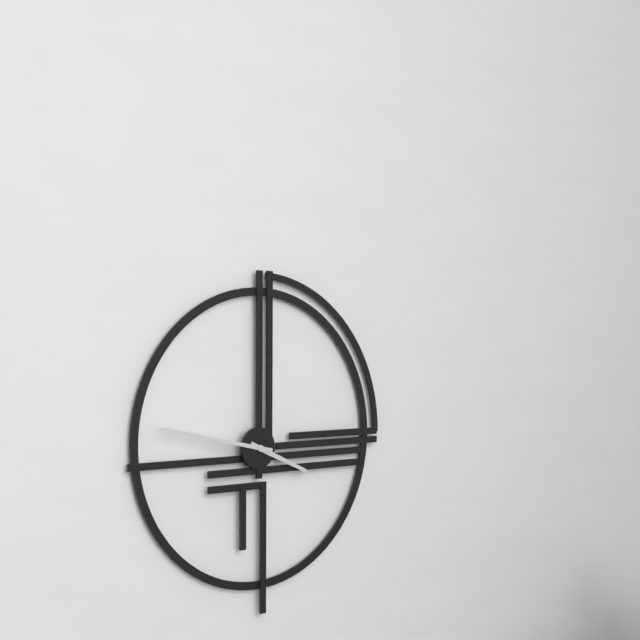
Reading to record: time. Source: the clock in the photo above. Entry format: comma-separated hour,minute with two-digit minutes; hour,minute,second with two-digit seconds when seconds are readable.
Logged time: 3,47
